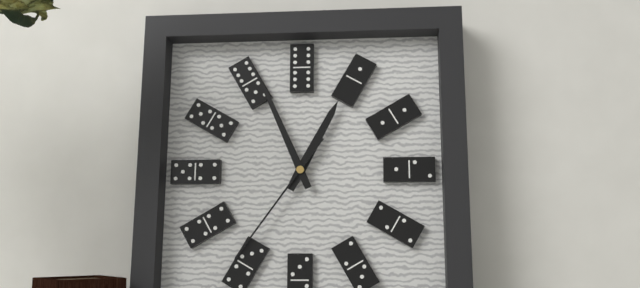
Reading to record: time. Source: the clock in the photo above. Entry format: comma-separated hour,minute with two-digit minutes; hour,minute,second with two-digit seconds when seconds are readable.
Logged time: 12,56,36
